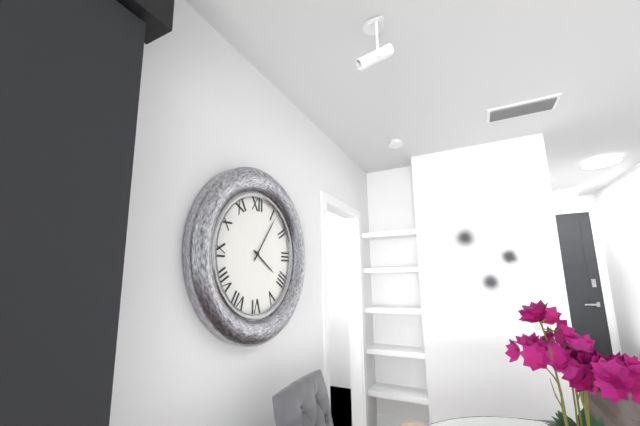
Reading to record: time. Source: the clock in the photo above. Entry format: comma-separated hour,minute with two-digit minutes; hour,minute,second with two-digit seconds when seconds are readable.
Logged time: 4,06
